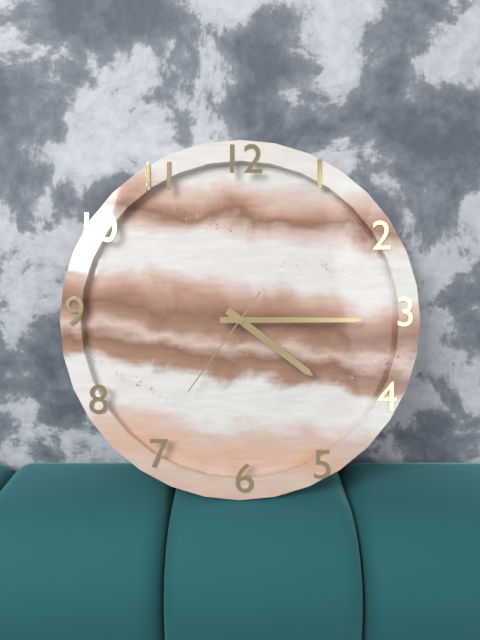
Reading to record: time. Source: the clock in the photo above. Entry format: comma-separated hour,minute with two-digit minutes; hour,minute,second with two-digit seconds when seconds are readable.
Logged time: 4,15,36
